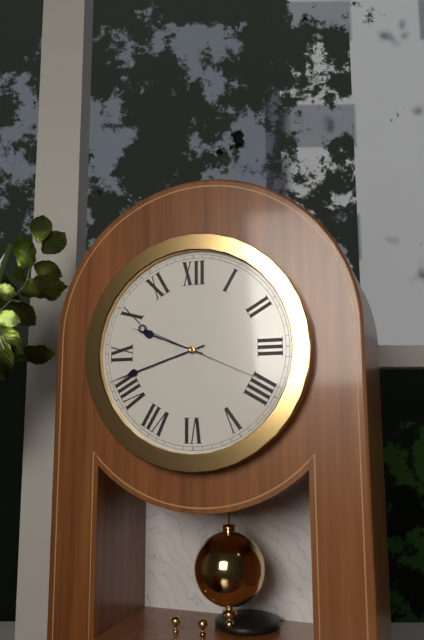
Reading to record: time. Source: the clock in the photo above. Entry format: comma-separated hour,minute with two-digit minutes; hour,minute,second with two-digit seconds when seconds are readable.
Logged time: 9,42,19
